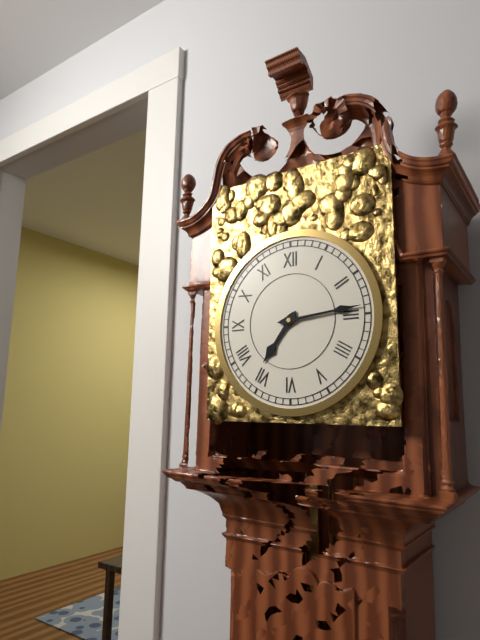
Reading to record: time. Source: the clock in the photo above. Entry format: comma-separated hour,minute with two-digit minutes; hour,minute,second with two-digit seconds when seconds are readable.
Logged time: 7,14
